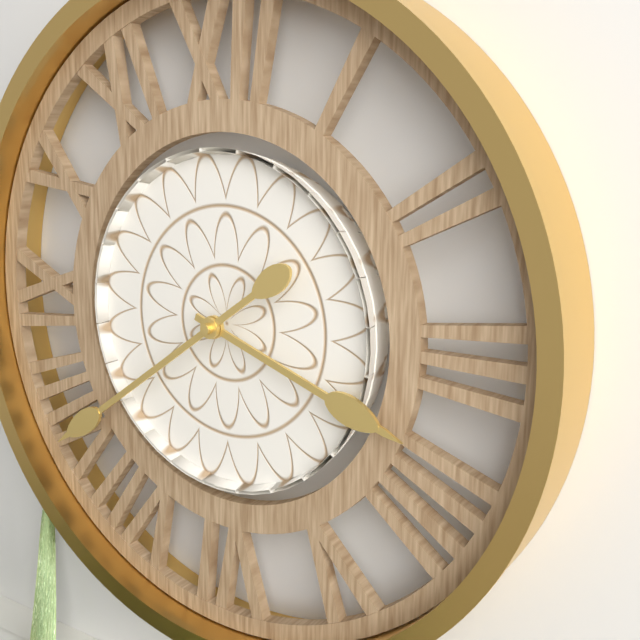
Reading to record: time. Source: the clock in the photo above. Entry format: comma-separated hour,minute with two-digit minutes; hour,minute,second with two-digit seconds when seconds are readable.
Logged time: 3,39
